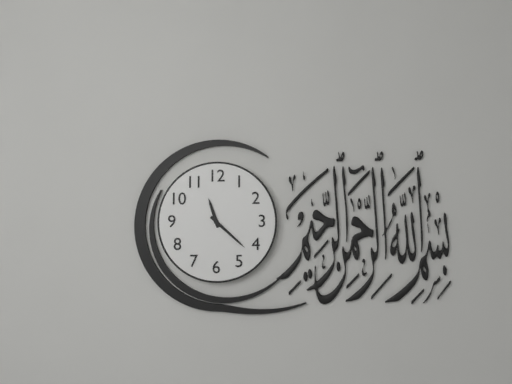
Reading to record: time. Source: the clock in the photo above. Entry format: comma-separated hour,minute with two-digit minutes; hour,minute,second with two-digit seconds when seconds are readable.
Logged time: 11,22
